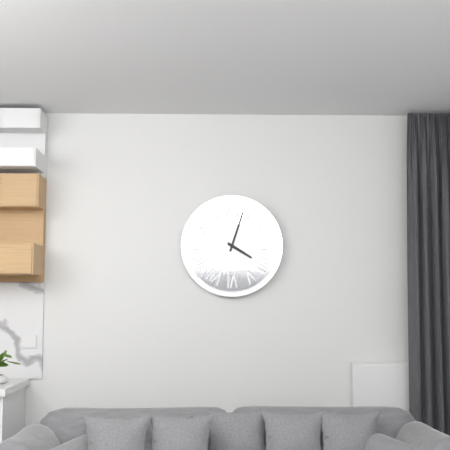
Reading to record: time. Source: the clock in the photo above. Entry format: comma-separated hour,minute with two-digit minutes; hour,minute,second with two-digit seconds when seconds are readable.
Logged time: 4,03
